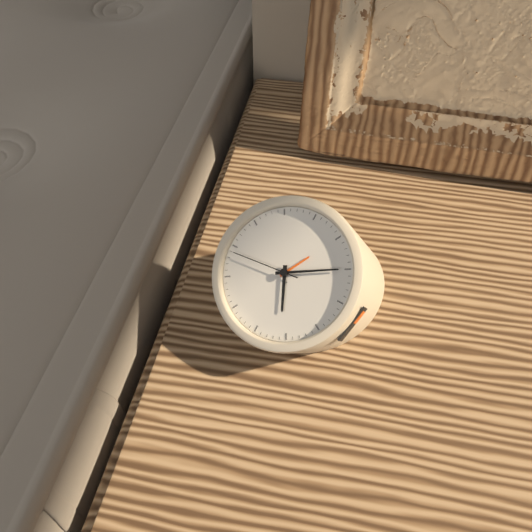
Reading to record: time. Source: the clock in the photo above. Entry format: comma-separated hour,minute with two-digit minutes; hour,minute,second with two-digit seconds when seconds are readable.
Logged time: 5,10,44
